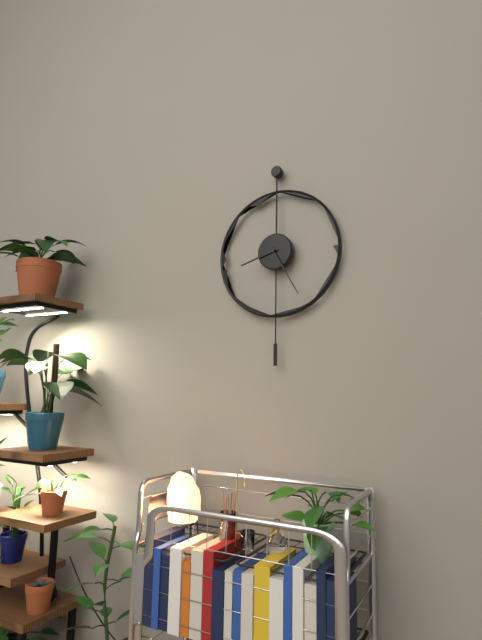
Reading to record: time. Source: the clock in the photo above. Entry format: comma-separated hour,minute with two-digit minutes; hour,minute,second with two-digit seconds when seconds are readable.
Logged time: 8,25
